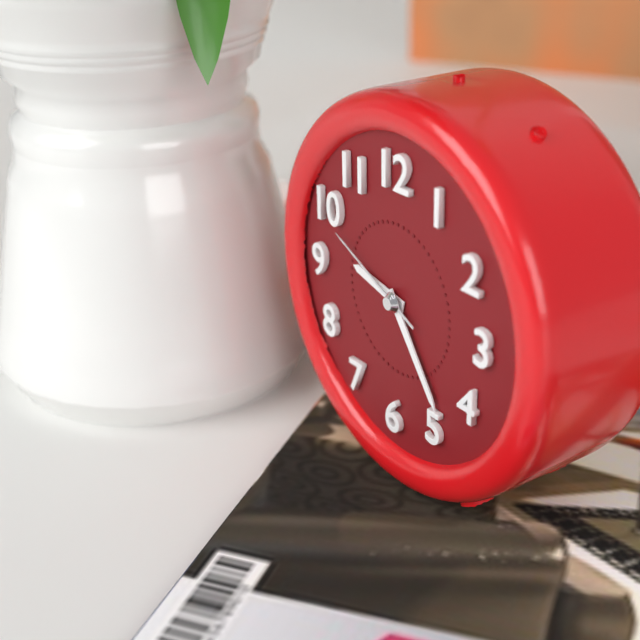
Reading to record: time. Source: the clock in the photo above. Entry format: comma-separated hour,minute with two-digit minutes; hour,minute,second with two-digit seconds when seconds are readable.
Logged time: 9,24,49
